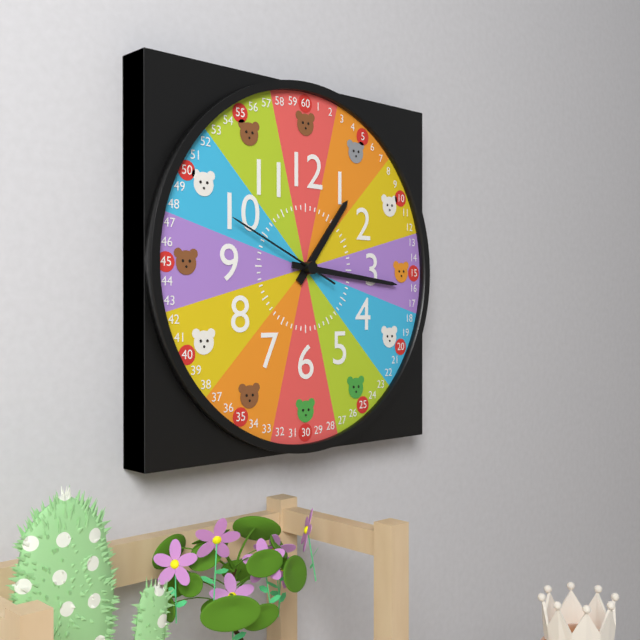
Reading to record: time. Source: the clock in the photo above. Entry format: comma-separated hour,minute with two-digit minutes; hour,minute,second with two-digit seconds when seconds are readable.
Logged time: 1,16,49
